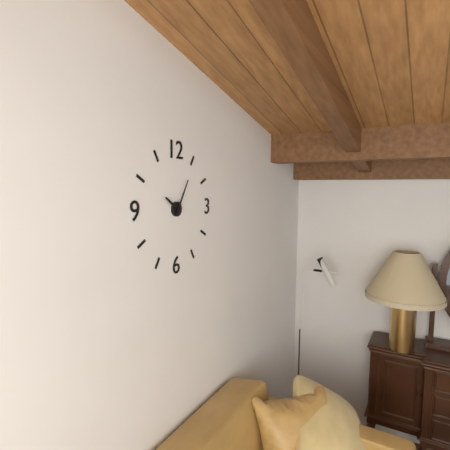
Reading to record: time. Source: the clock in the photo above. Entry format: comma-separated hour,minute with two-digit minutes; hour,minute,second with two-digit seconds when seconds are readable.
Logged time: 10,05
